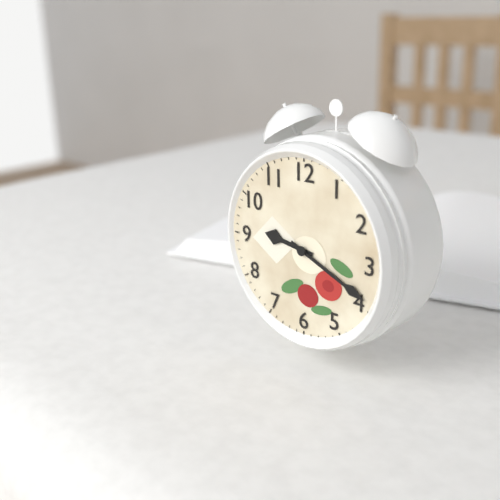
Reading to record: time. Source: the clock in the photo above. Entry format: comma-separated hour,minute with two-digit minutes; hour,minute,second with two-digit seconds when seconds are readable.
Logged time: 9,19
